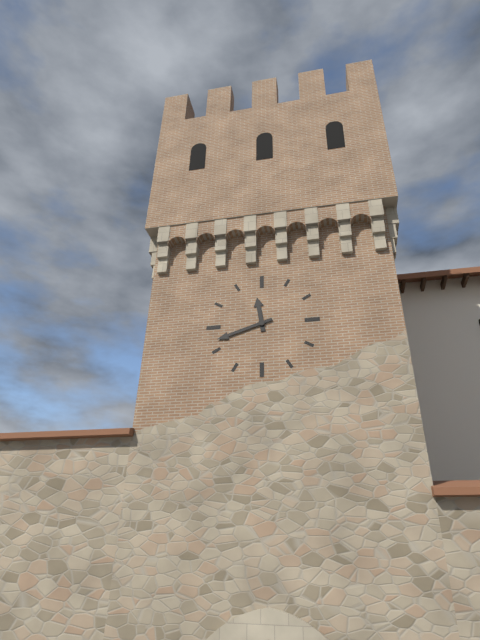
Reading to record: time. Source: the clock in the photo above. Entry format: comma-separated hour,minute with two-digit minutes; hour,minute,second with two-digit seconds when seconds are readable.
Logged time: 11,42
